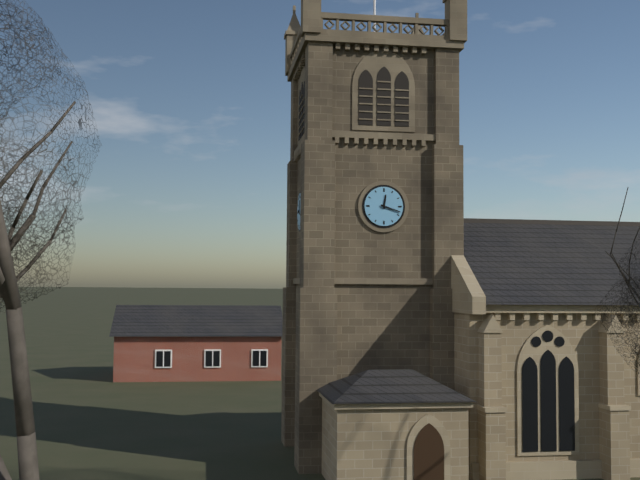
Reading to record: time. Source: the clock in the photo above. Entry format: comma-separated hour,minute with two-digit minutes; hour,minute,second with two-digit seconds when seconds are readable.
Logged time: 12,18
